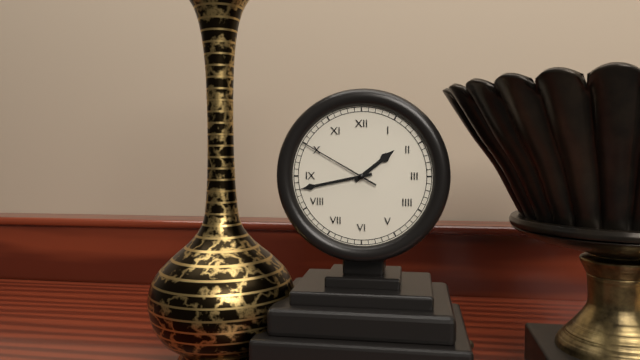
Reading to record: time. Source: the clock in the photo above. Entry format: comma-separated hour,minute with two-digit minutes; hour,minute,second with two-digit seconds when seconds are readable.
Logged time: 1,43,50
